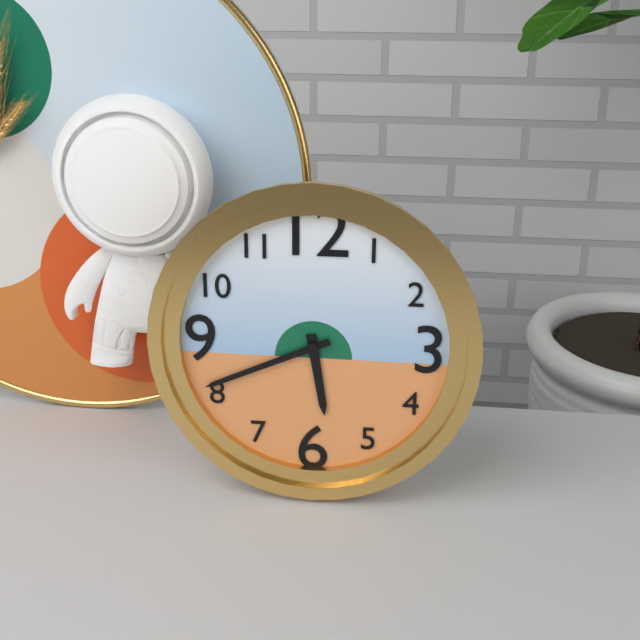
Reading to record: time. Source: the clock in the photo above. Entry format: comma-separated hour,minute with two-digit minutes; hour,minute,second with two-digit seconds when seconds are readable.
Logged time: 5,41
